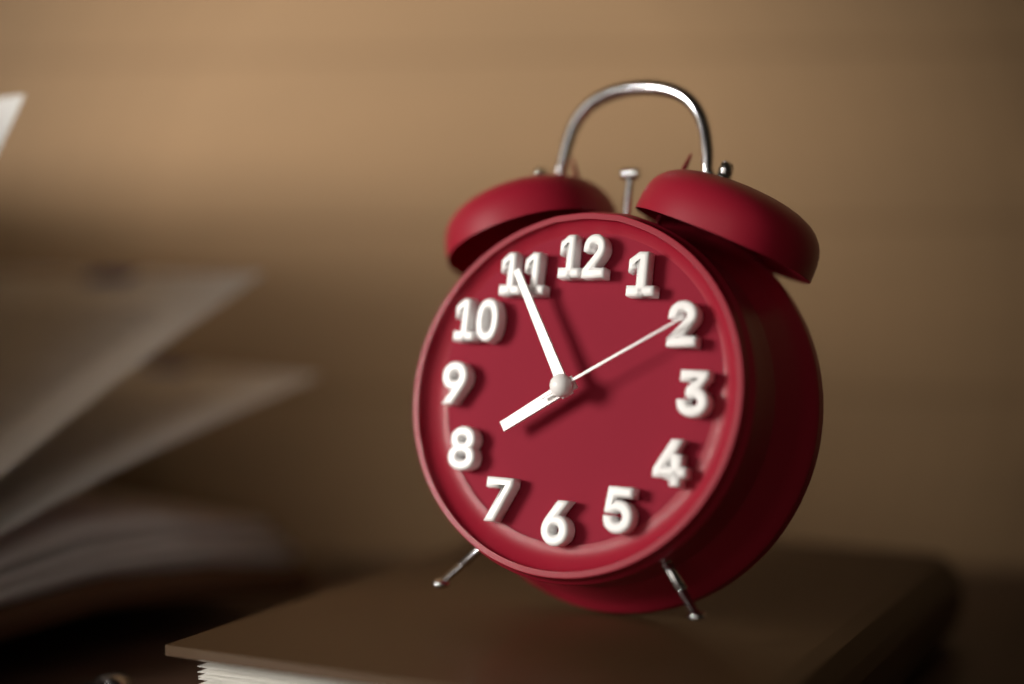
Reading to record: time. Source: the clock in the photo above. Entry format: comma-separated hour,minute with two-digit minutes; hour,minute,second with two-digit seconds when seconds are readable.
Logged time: 7,55,10
